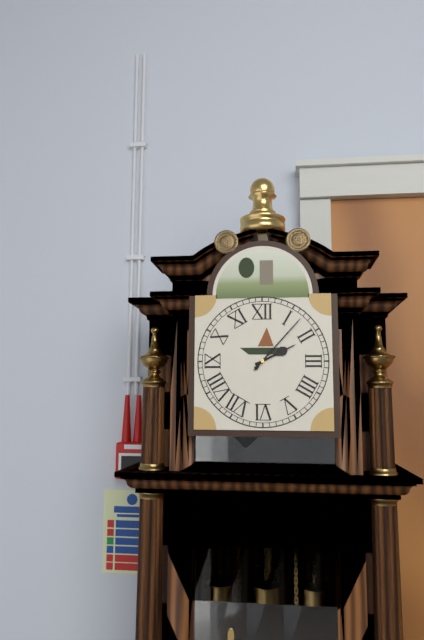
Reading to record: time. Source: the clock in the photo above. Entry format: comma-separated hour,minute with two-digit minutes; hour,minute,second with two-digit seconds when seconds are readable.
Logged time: 2,07
